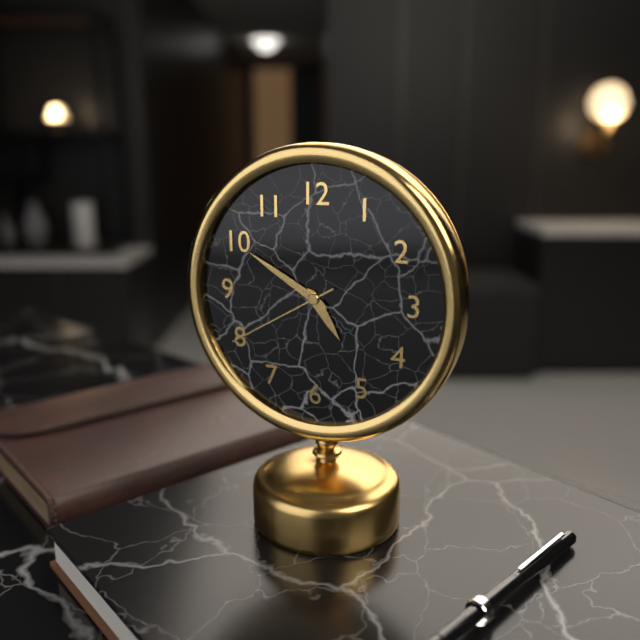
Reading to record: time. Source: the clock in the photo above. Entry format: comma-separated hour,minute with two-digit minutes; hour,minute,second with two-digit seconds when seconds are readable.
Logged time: 4,50,40
